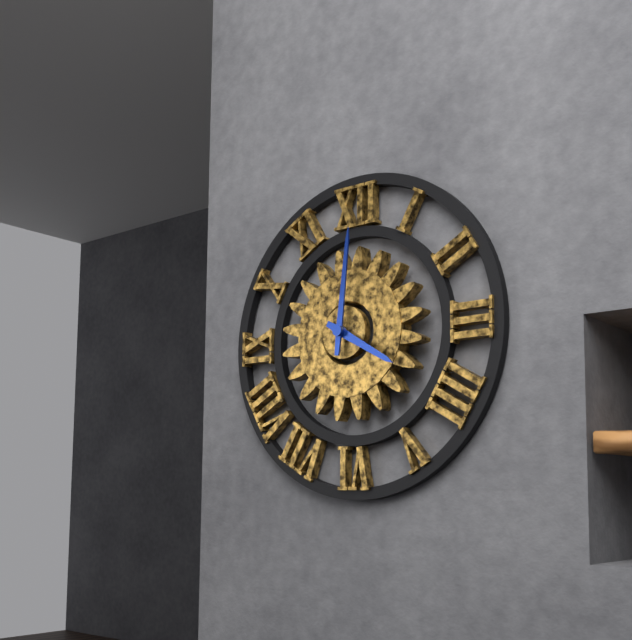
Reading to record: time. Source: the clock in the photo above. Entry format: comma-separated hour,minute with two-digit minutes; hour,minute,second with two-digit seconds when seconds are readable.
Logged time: 4,01
